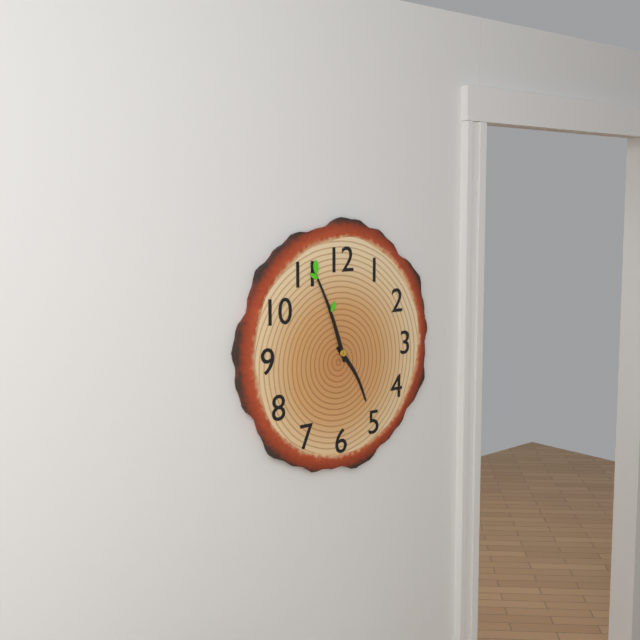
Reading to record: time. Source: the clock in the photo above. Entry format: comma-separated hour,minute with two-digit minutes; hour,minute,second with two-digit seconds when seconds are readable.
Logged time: 4,56
